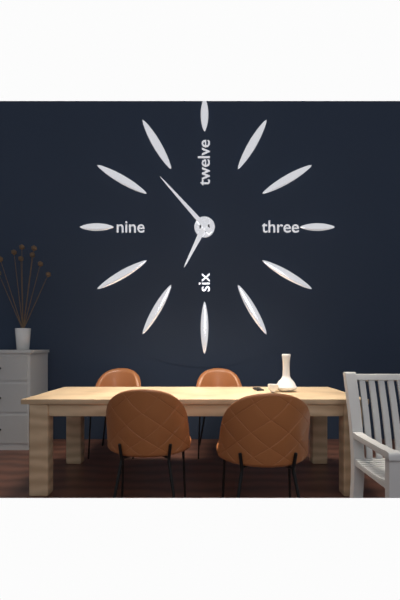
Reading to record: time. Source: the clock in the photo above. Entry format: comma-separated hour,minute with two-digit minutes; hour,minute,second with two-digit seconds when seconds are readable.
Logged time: 6,53
